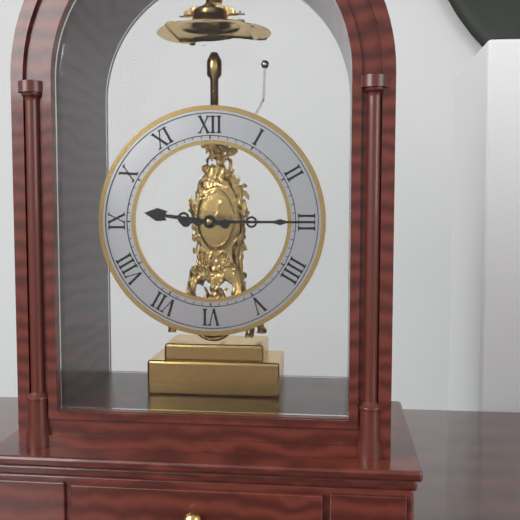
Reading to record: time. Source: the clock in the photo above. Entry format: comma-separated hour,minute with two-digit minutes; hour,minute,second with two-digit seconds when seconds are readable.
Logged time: 9,15
